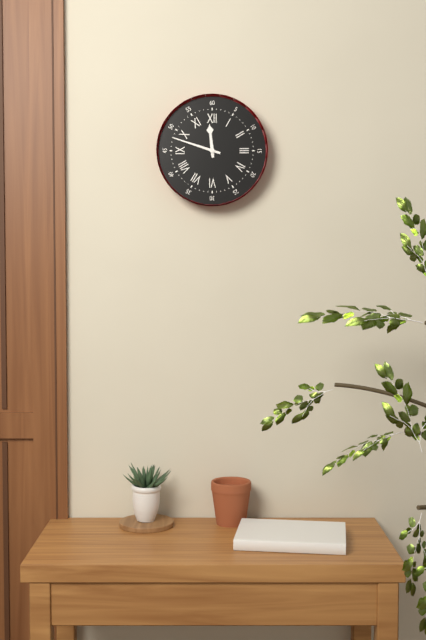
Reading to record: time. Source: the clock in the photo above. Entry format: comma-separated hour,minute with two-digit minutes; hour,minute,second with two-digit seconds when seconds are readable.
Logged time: 11,48
